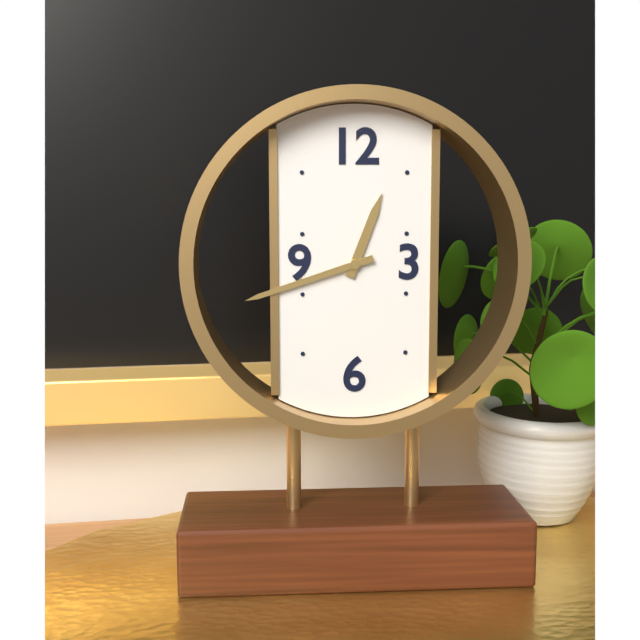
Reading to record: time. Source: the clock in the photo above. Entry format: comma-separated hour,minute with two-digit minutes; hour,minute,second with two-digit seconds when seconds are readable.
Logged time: 12,42
